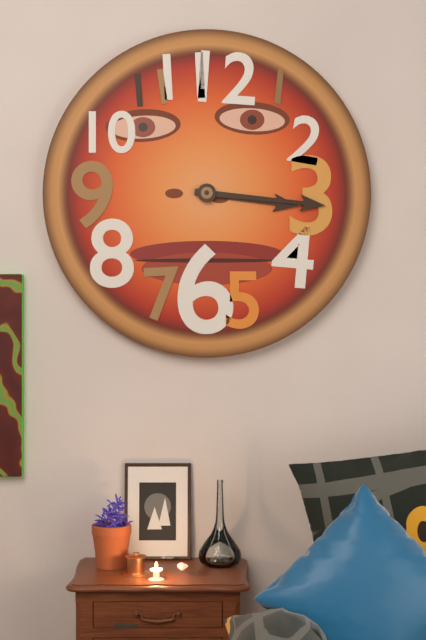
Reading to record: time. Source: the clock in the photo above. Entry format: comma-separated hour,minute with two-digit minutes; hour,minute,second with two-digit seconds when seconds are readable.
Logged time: 3,16
